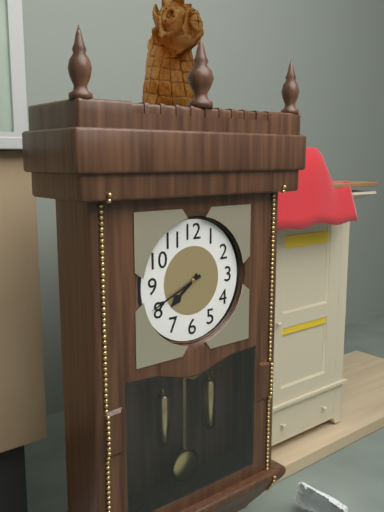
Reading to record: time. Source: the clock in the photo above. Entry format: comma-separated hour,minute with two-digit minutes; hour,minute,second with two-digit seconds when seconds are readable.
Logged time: 7,41
